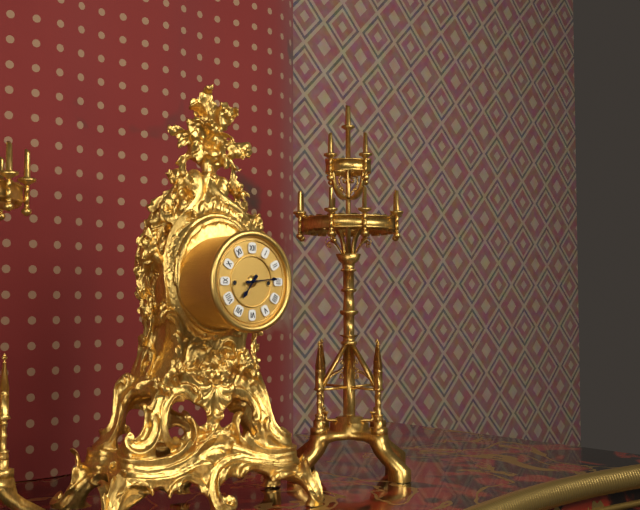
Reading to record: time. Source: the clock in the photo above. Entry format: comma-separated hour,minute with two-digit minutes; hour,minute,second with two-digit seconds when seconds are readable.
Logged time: 7,14
